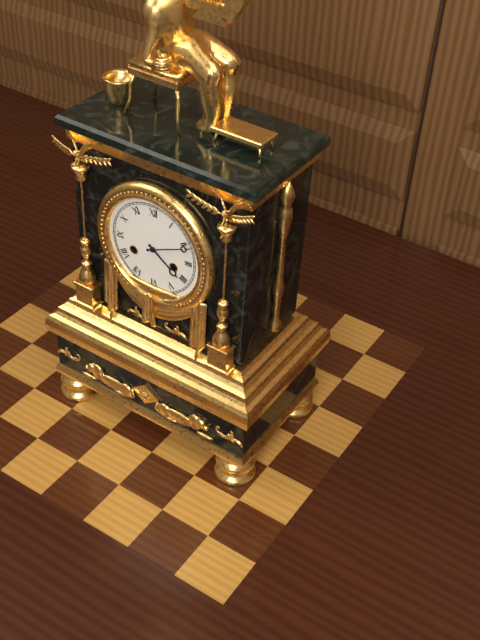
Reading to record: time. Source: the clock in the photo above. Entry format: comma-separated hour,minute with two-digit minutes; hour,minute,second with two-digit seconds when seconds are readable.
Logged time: 4,11
